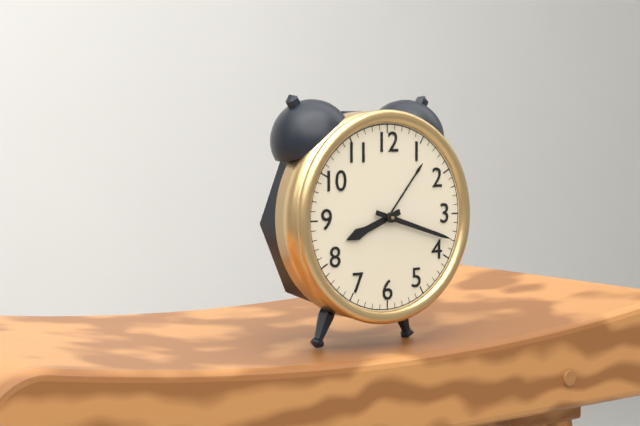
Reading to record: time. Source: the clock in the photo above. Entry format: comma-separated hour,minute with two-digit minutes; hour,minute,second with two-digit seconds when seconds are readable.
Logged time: 8,18
